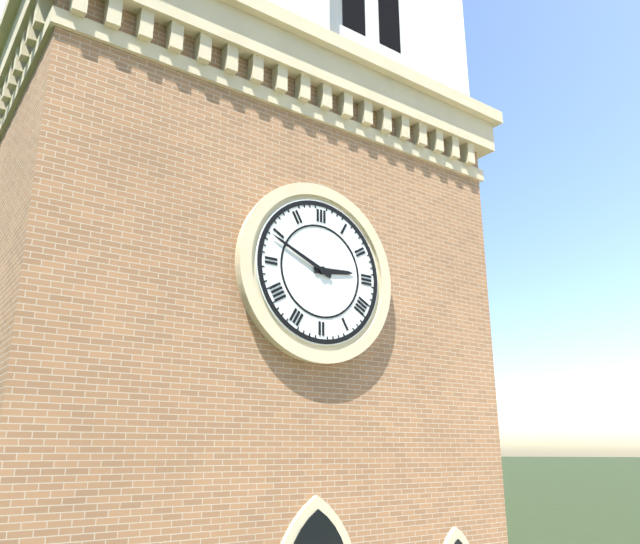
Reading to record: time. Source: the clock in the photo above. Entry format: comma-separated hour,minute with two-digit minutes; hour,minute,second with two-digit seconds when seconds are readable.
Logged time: 2,49
